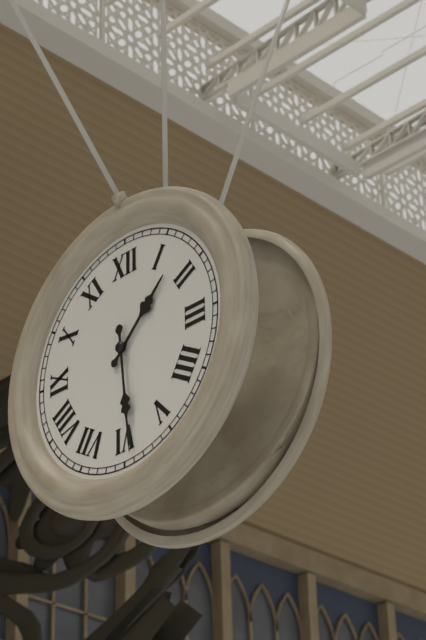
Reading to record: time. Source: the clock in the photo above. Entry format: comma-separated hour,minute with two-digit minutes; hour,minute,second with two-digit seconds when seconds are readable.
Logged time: 1,29
